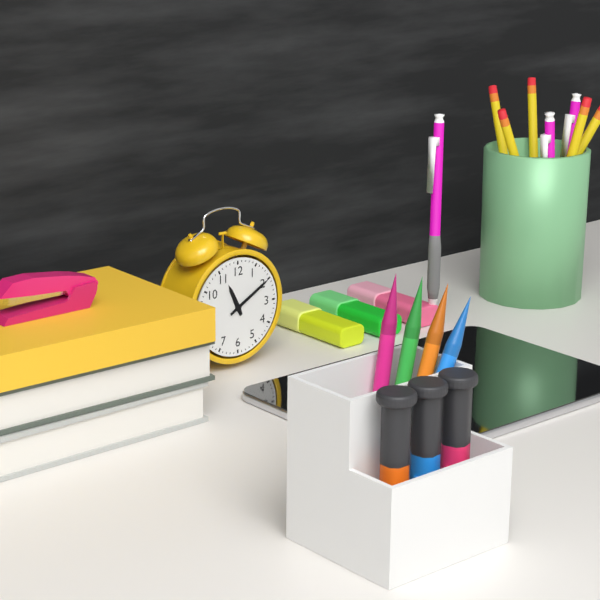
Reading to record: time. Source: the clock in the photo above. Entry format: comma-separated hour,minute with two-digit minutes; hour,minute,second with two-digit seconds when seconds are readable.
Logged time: 11,10
